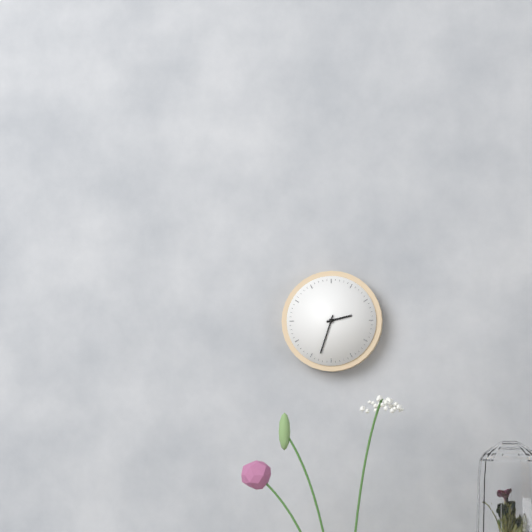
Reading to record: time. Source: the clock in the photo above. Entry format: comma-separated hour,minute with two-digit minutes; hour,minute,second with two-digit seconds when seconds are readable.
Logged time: 2,33
